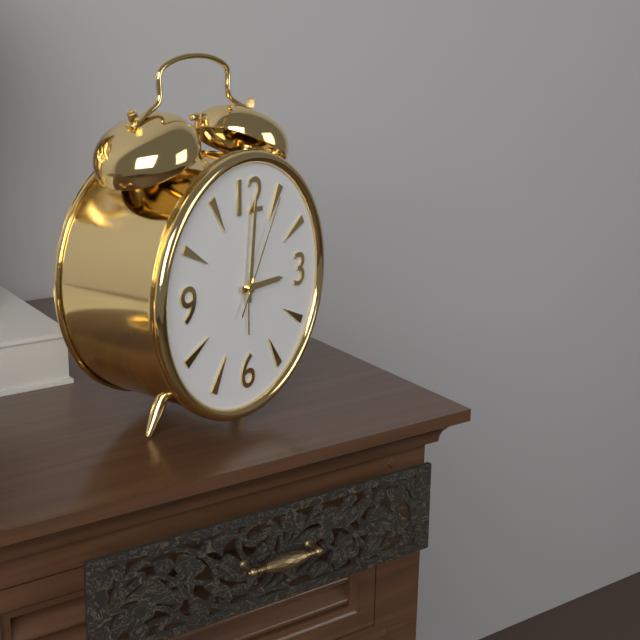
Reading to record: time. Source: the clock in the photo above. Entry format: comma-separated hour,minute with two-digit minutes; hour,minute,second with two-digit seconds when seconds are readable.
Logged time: 3,01,05
